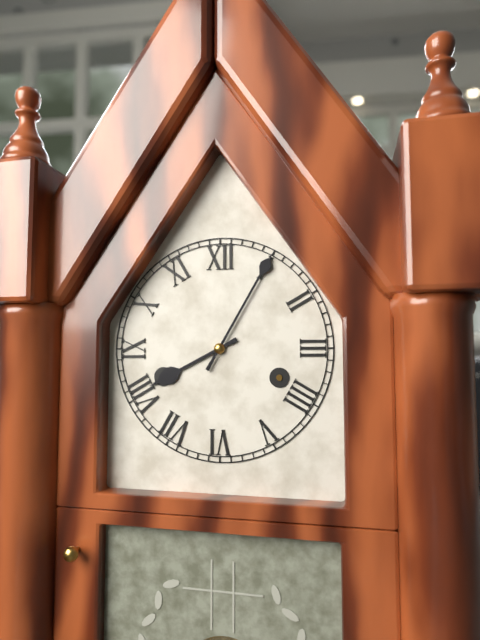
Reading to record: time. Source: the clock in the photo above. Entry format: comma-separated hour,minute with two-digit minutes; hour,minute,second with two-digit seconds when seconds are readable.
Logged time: 8,05
